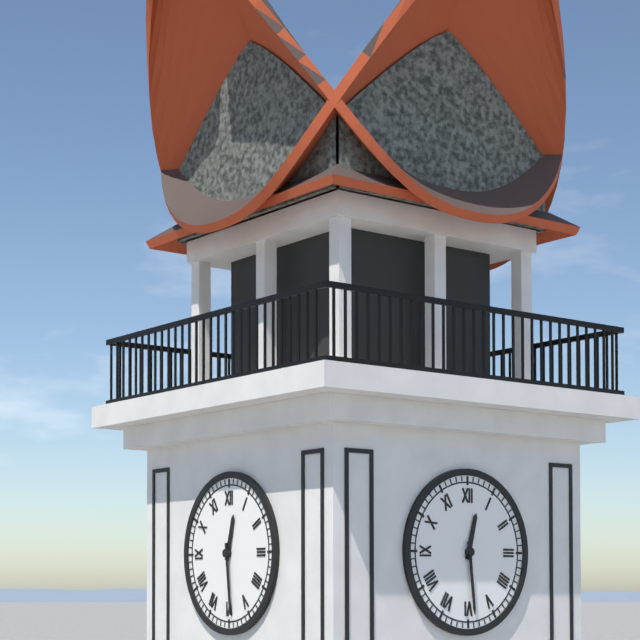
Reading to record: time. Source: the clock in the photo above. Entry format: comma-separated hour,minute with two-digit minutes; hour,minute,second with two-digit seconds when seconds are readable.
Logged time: 12,29
